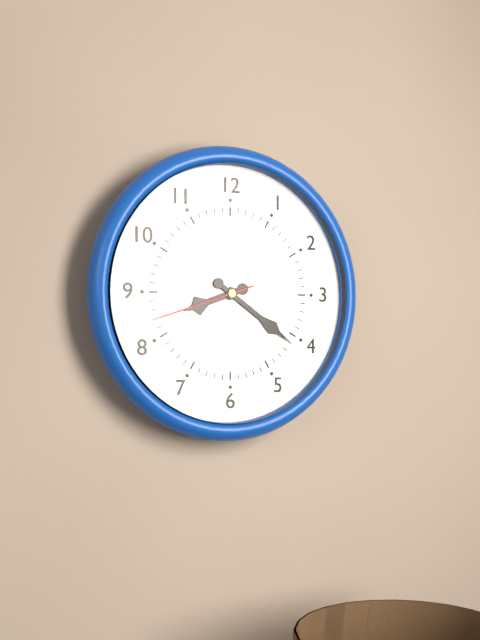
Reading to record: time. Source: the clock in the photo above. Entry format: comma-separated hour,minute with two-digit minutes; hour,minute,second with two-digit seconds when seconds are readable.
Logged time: 8,21,42
